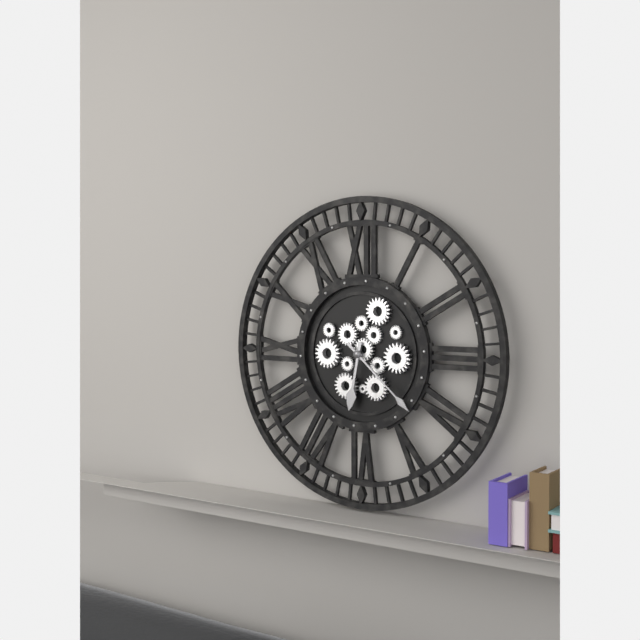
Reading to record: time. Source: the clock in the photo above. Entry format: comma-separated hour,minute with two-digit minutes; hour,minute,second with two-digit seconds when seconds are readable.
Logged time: 6,22
